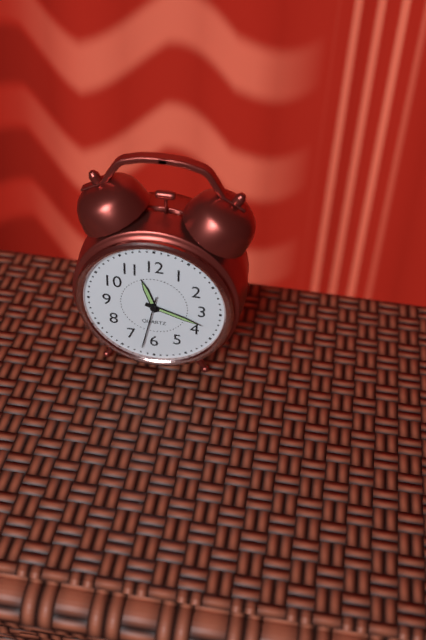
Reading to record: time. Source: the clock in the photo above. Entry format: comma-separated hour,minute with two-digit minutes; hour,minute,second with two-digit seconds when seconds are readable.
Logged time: 11,18,32
